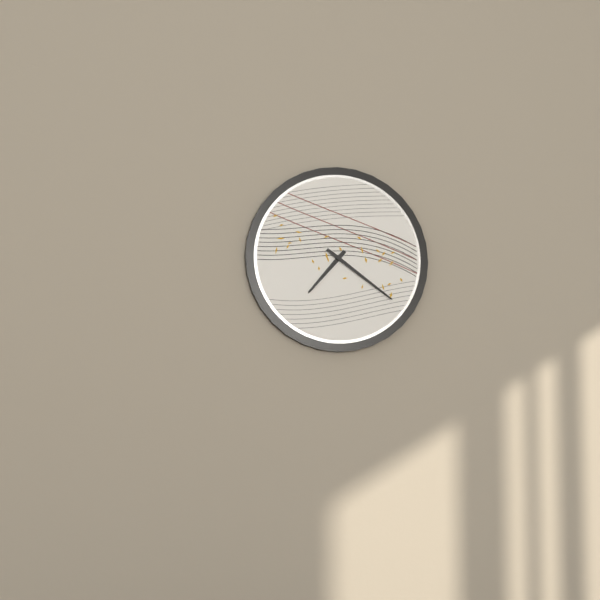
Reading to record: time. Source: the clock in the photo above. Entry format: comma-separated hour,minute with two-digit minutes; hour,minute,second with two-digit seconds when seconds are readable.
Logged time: 7,21
